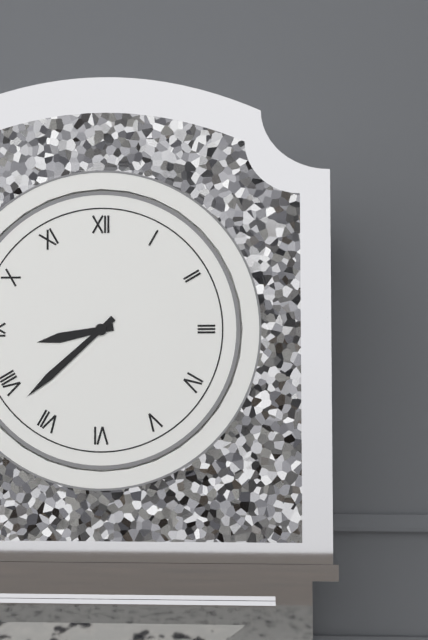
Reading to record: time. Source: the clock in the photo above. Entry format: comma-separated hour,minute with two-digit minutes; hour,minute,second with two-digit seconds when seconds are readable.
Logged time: 8,38
